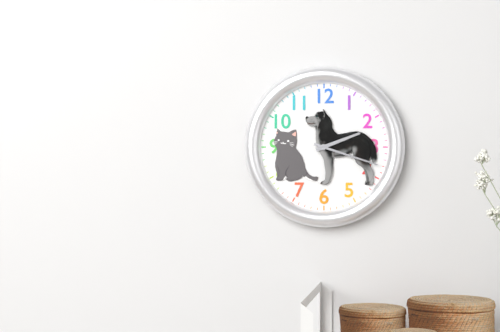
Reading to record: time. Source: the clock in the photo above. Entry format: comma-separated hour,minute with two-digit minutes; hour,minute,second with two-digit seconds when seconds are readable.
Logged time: 2,18
